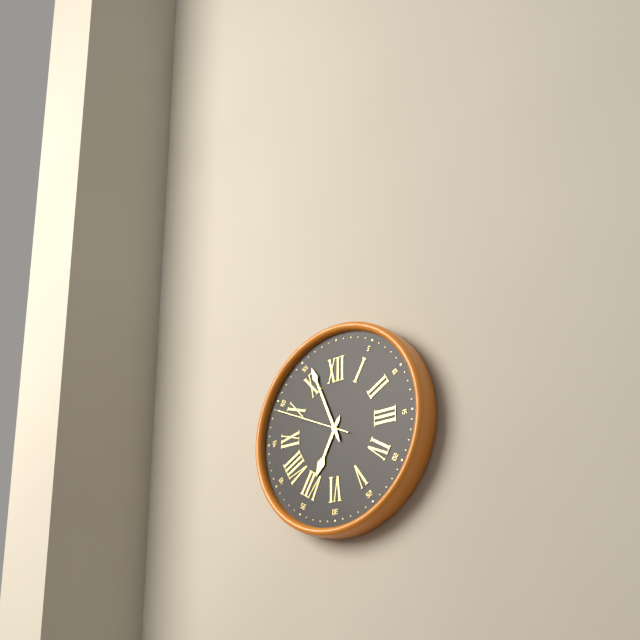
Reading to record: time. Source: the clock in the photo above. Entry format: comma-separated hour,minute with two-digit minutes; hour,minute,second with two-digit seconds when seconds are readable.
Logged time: 6,56,49
